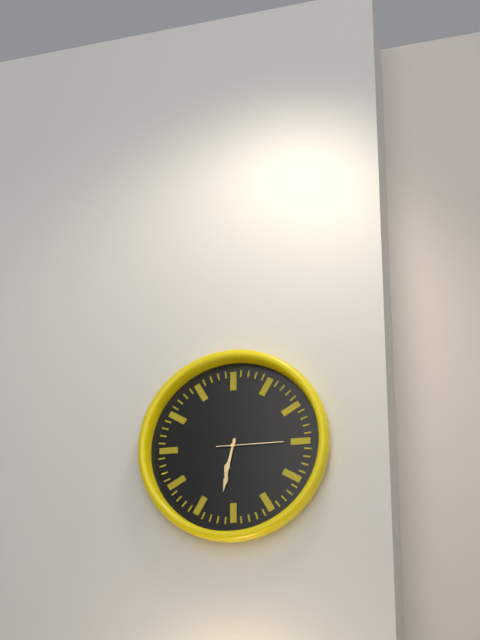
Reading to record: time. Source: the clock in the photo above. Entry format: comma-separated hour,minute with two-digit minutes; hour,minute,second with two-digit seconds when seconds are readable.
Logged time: 6,32,15
